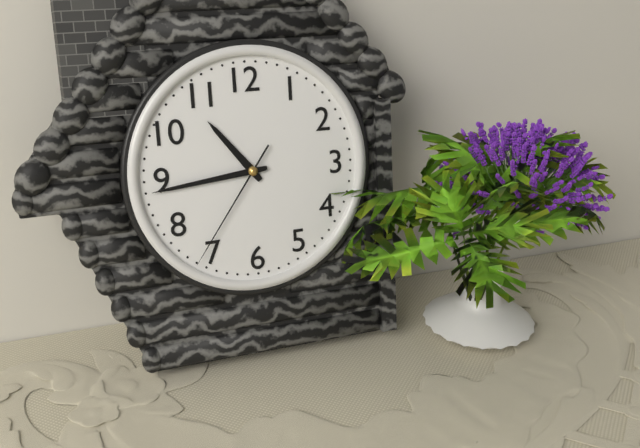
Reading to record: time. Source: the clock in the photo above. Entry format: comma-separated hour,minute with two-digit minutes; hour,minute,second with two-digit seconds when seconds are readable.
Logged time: 10,44,36
